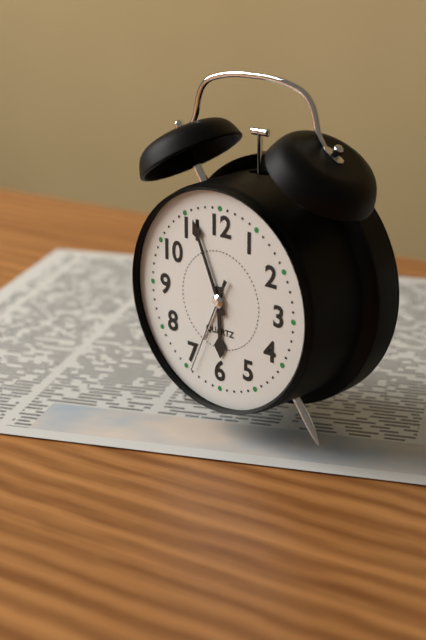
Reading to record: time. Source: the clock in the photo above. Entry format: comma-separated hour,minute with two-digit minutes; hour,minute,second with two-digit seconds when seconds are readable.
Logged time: 5,56,34
